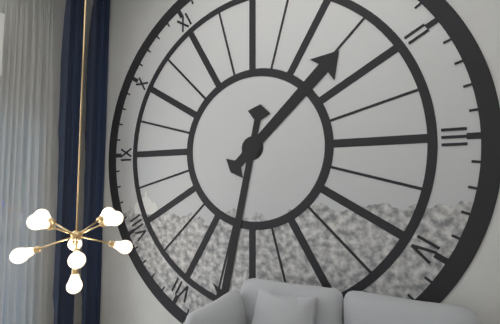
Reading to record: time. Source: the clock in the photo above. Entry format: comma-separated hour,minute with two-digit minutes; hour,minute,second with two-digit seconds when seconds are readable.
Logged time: 1,32
